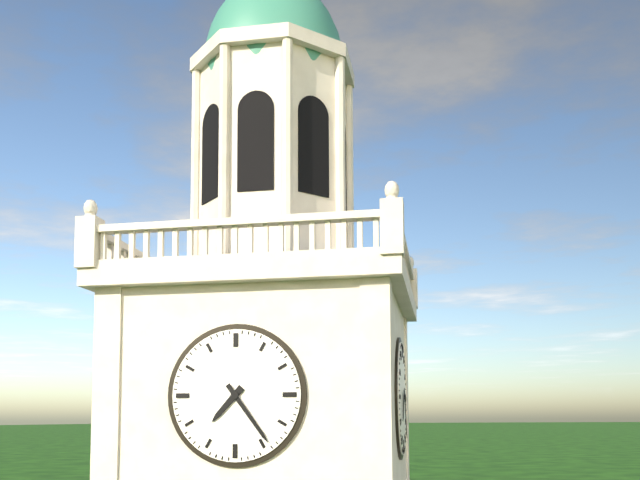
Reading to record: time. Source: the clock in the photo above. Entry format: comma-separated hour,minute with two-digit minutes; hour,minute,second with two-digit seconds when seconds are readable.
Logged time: 7,24
